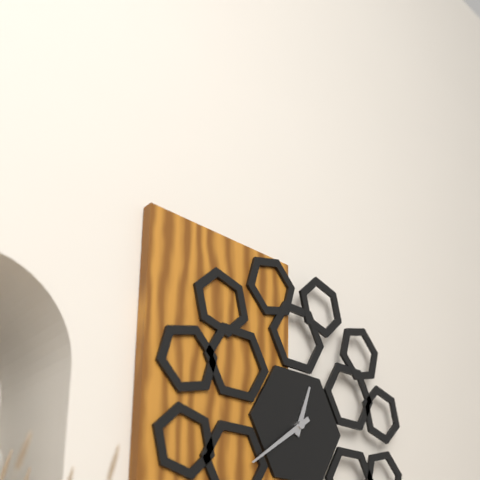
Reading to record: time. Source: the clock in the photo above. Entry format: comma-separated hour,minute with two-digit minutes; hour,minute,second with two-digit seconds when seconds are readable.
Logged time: 12,39
